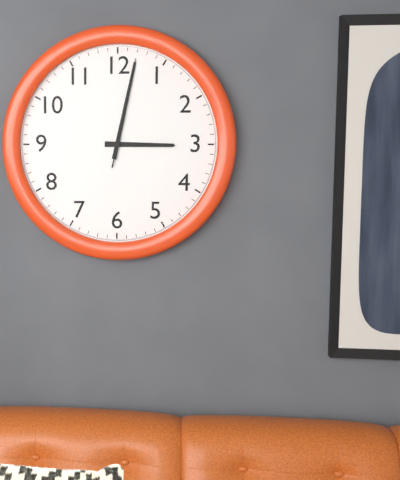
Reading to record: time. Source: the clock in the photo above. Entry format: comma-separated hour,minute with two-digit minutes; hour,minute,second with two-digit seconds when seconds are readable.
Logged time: 3,02,02
